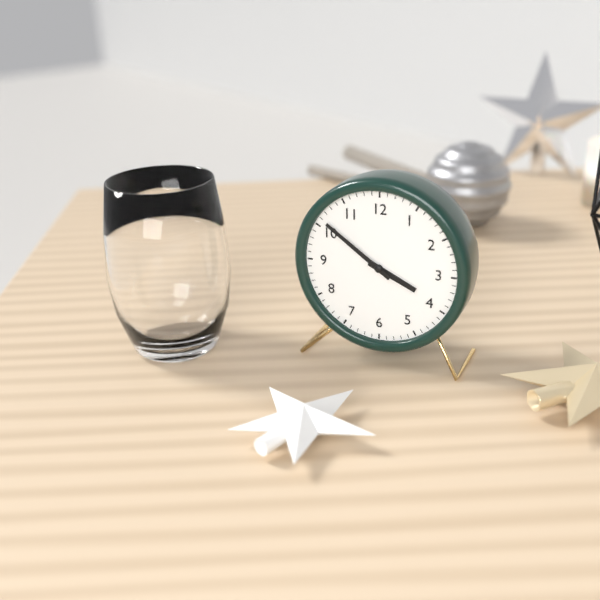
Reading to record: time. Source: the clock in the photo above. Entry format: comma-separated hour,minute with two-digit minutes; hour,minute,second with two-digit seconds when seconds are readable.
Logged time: 3,51
